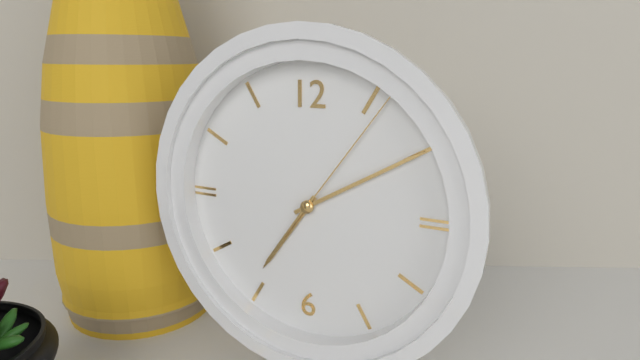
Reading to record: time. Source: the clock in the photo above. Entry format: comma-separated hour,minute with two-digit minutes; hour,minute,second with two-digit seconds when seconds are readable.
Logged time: 7,10,06
